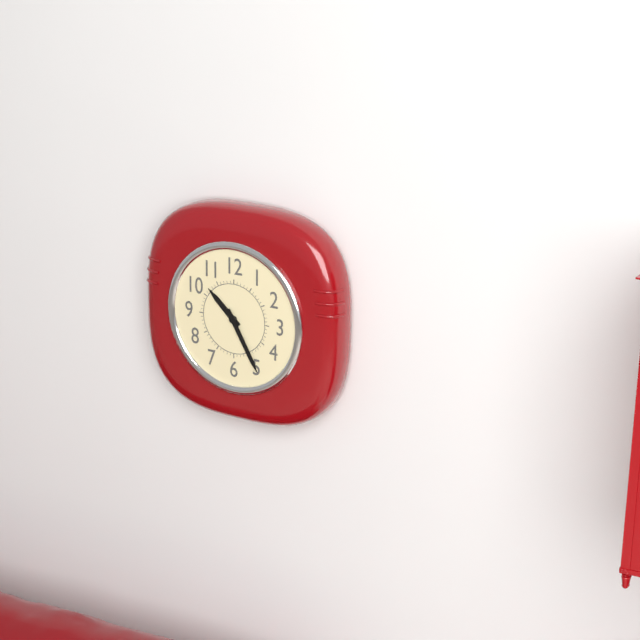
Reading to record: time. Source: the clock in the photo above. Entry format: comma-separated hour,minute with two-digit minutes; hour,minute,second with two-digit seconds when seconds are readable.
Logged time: 10,25
